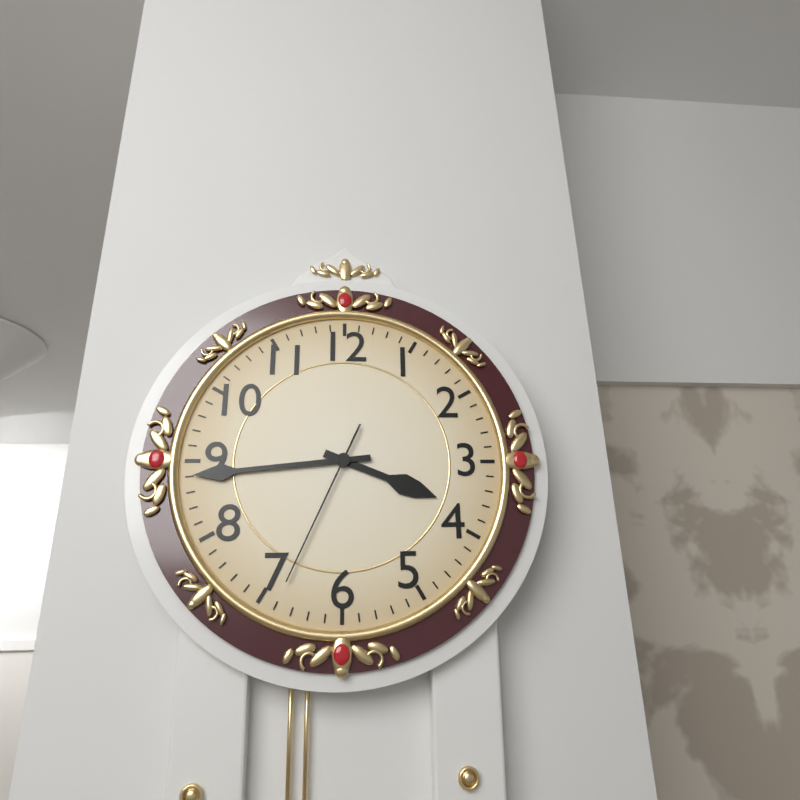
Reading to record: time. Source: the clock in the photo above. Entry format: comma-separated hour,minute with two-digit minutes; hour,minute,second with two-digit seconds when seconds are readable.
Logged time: 3,44,34
